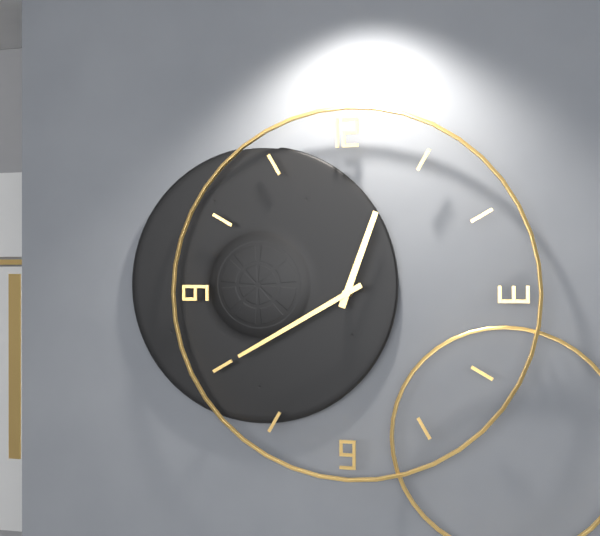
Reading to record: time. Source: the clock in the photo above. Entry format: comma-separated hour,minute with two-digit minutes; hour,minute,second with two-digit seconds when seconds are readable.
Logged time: 12,40
